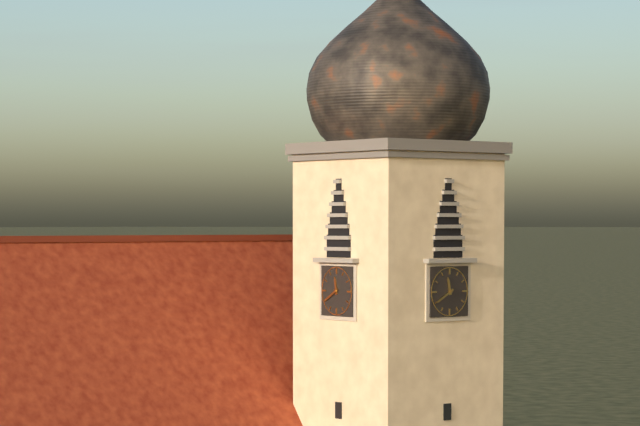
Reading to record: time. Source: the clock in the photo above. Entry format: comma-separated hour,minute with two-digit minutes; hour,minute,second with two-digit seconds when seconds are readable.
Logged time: 11,40
